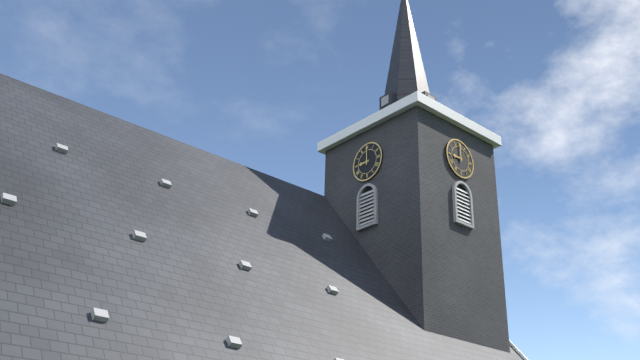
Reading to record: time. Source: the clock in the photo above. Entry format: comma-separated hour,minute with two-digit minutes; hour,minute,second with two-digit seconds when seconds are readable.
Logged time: 9,00
